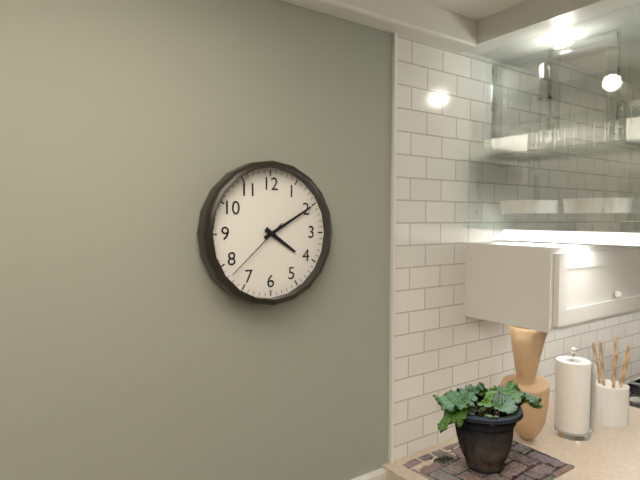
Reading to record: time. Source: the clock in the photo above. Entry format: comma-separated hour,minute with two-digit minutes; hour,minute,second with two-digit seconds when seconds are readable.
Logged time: 4,10,38
